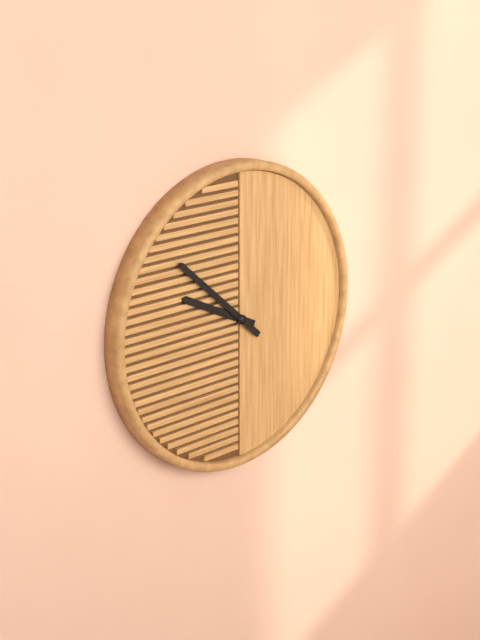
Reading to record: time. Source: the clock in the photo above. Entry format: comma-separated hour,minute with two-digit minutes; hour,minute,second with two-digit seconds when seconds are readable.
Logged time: 9,52
